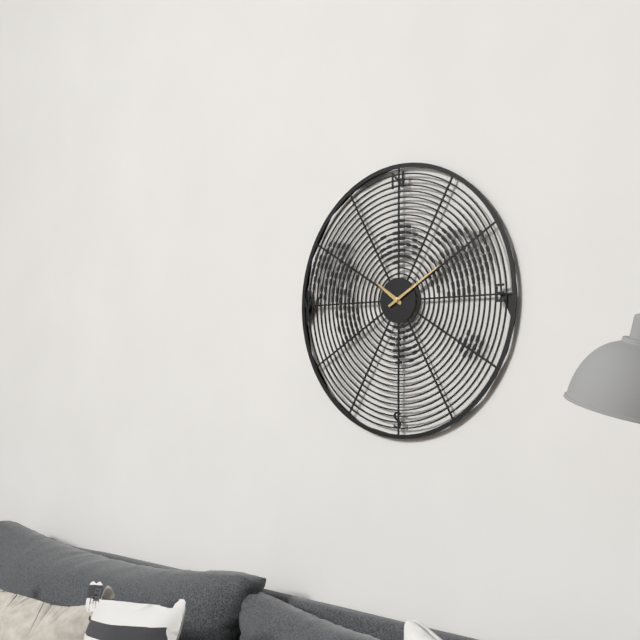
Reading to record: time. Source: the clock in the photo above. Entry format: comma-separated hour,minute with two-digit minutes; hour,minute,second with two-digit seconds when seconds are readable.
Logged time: 10,10
